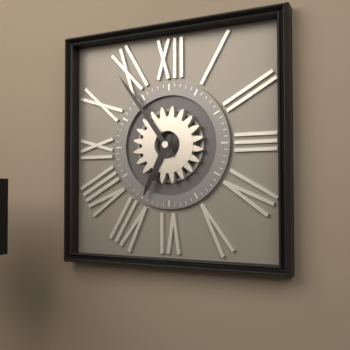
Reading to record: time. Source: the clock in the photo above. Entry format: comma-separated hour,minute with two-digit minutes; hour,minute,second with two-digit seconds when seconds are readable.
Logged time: 6,54
